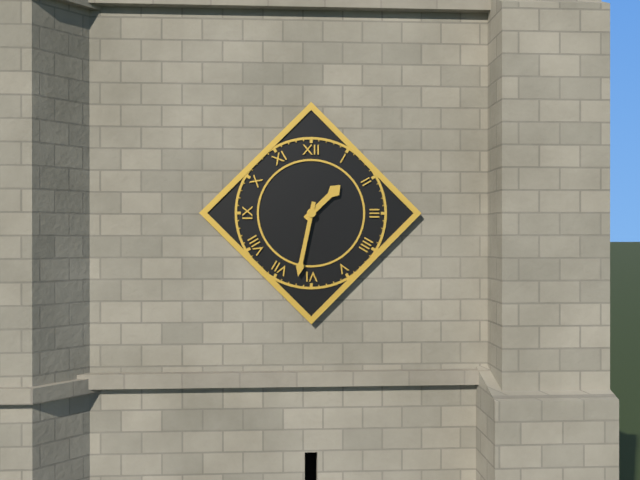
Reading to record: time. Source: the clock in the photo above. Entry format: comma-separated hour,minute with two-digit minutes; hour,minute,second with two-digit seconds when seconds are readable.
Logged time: 1,32
